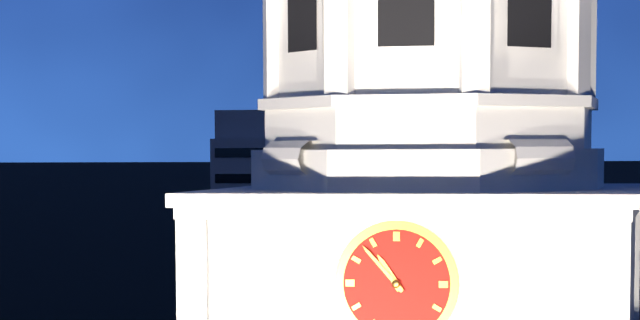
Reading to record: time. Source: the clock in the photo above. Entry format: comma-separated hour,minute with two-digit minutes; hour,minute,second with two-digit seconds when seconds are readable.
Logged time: 10,53
